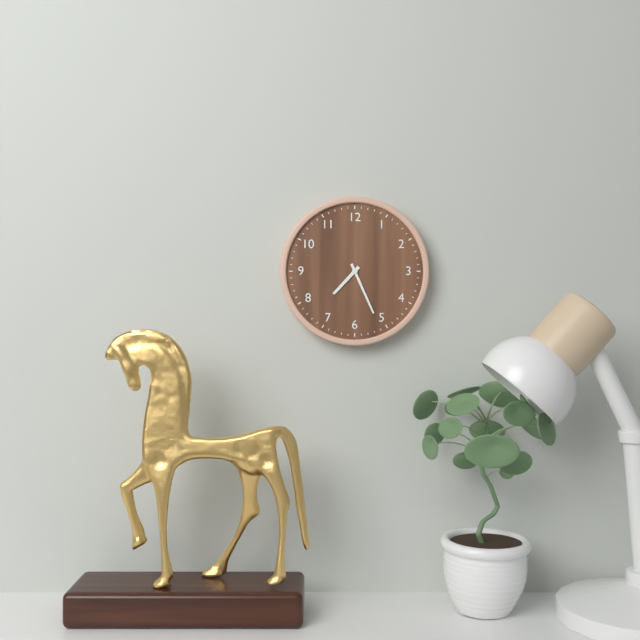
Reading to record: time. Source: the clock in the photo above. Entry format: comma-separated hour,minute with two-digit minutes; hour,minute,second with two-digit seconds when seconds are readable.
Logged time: 7,26
